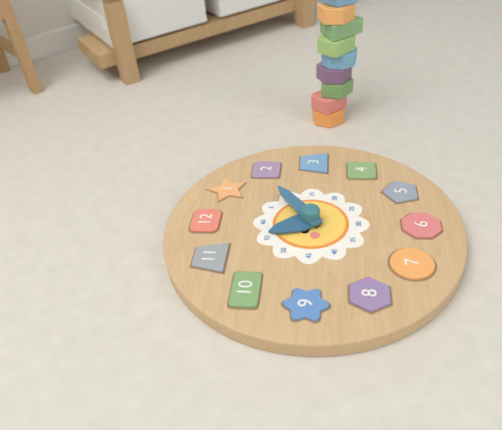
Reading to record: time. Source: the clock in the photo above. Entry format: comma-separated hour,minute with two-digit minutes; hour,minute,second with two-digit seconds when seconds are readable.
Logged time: 11,09
